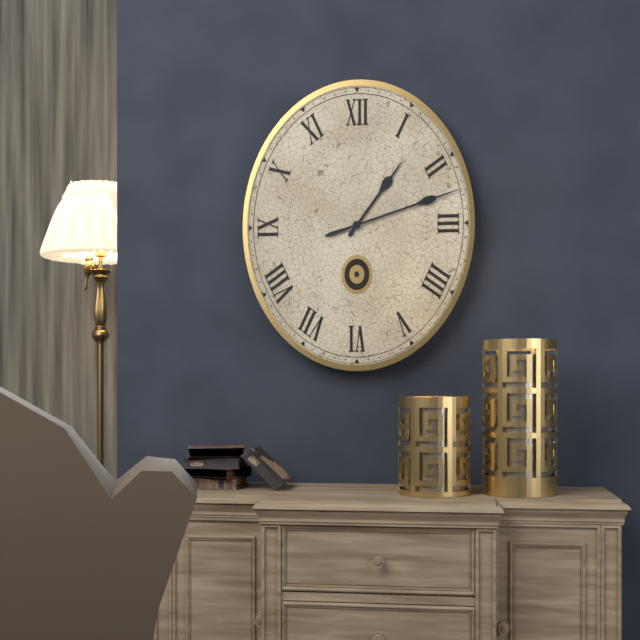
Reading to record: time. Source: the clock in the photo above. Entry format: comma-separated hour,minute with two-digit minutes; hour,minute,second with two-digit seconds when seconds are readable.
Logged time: 1,12
